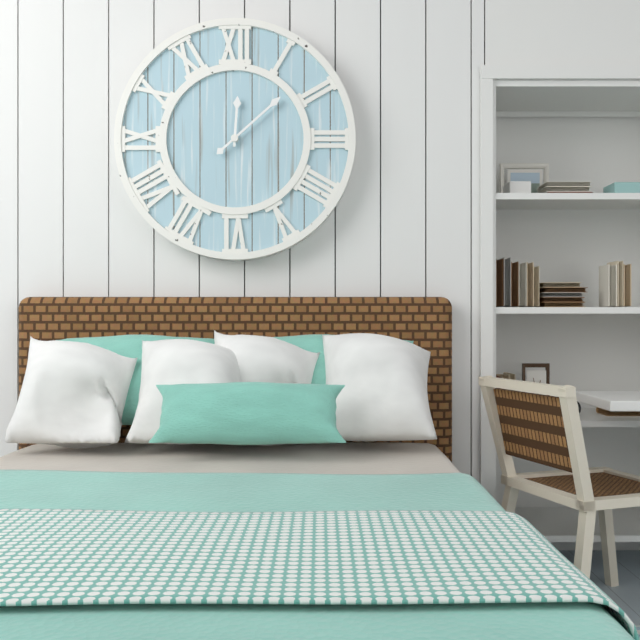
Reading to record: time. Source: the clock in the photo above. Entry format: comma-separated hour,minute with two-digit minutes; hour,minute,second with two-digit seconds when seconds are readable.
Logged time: 12,08
